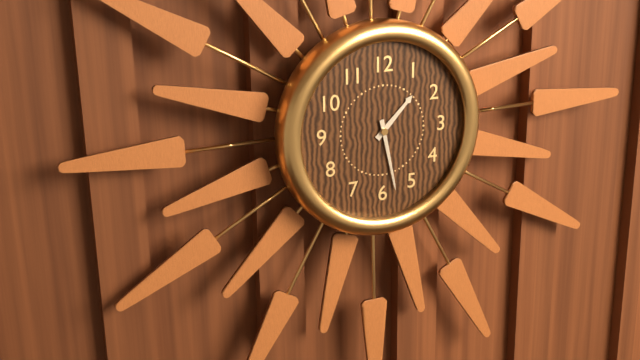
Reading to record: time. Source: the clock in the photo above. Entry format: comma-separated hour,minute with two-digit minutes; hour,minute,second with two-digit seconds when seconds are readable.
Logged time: 1,28
